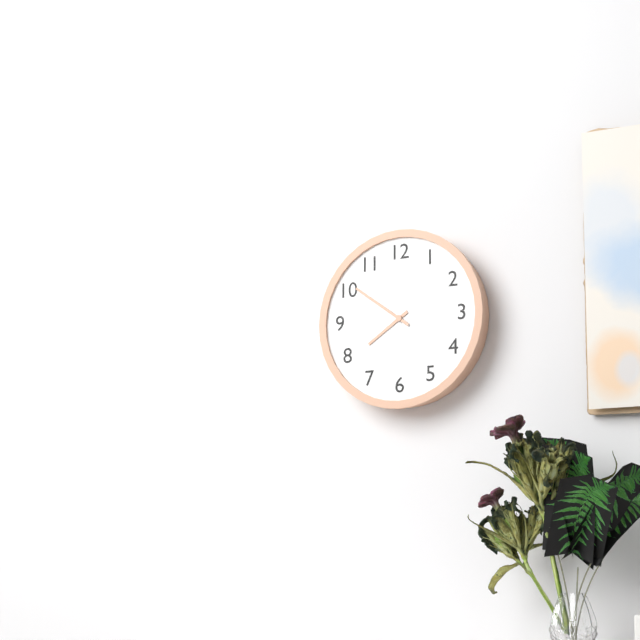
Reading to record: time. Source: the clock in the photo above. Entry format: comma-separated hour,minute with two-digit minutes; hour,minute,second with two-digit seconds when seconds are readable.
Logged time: 7,51
